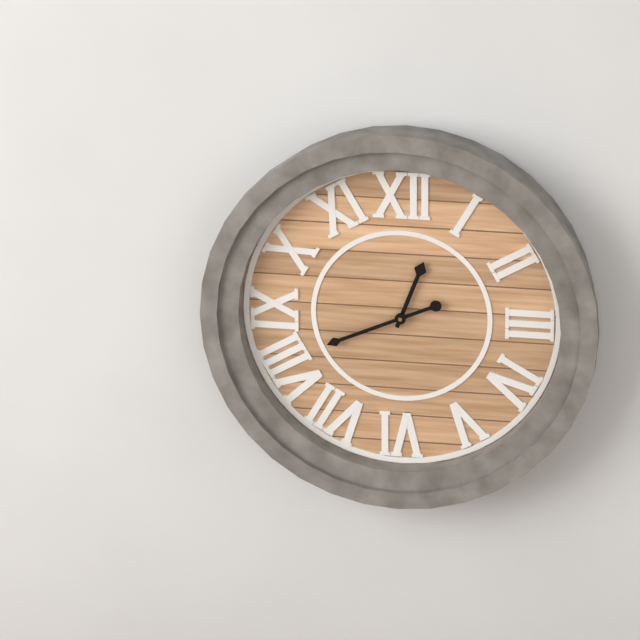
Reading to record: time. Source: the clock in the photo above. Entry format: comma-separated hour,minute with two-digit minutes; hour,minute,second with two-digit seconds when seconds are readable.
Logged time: 12,41
